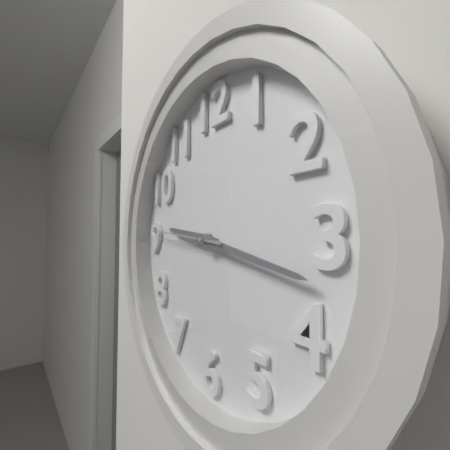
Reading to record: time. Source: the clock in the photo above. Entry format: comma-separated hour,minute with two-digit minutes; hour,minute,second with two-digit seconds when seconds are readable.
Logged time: 9,17,46
